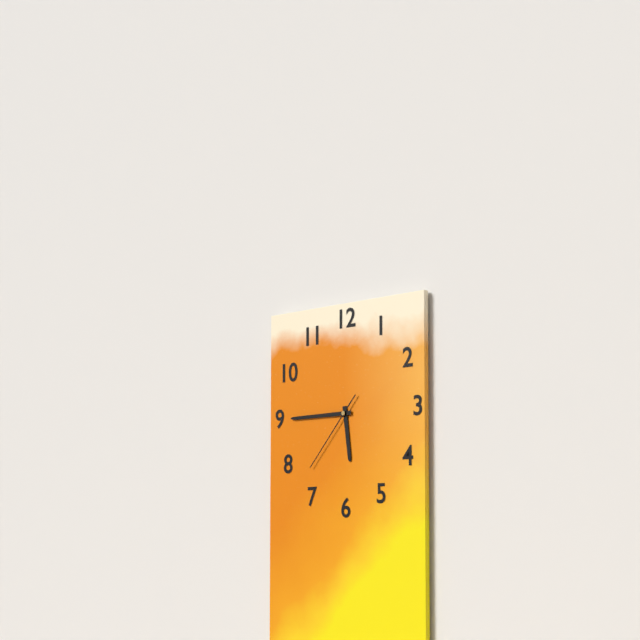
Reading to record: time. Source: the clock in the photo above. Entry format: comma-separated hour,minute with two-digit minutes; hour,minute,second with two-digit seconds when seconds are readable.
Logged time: 5,45,37
